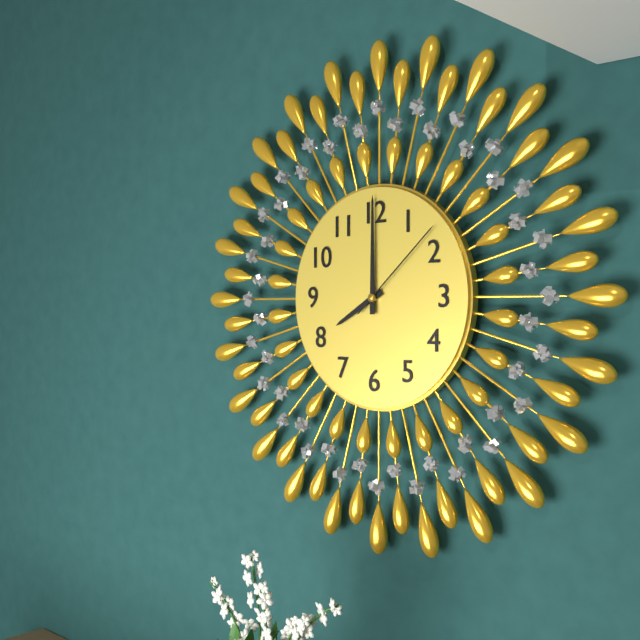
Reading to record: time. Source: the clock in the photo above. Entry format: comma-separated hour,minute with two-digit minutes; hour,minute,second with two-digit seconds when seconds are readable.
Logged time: 8,00,08
